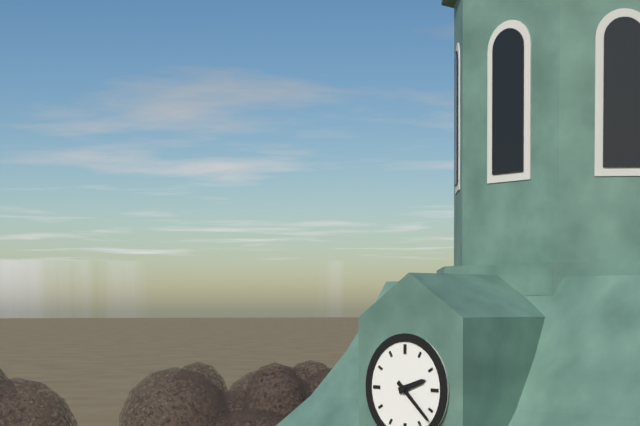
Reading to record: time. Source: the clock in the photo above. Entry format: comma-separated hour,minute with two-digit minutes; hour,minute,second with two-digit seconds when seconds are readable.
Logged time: 2,22
